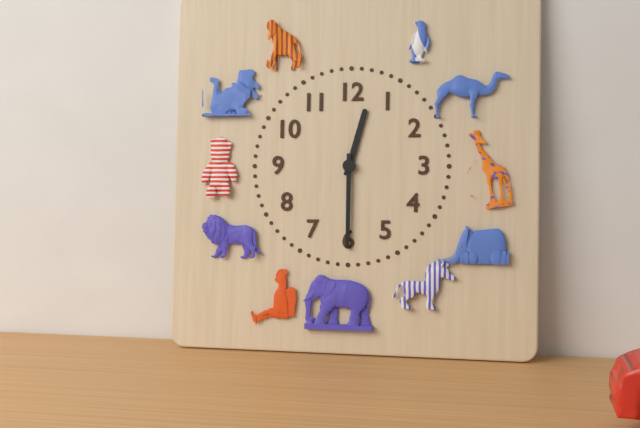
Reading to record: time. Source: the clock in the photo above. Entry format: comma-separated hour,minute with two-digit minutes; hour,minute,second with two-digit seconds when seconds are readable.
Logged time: 12,30
